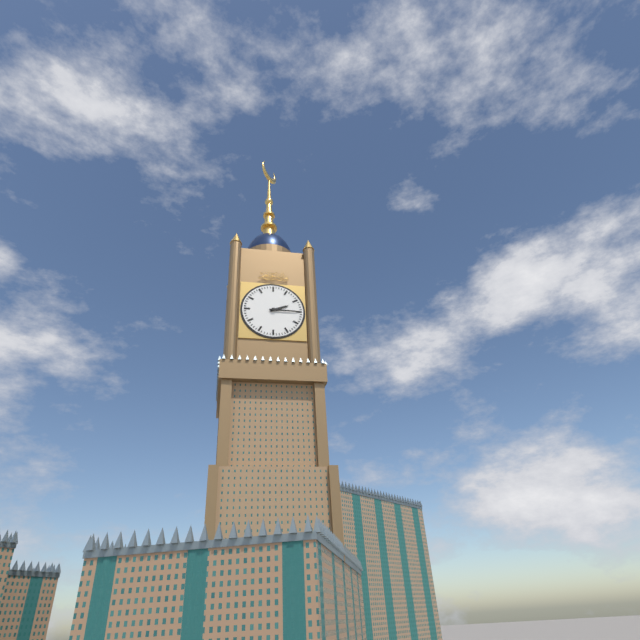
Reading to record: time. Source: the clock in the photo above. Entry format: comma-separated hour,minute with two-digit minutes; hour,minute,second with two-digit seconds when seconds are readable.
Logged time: 2,15
